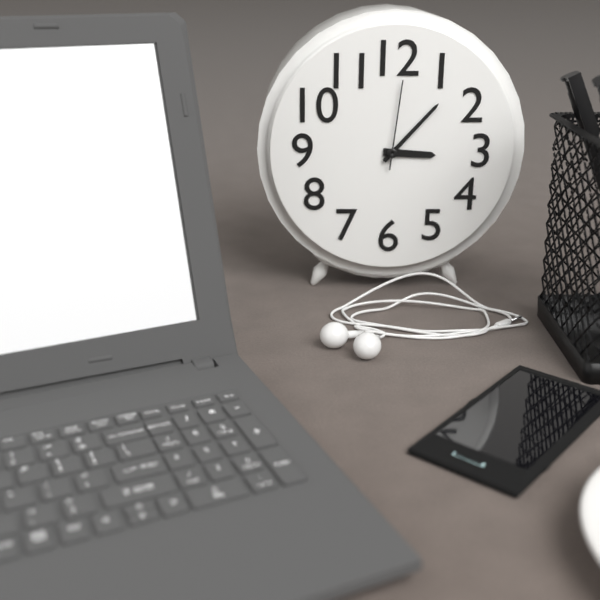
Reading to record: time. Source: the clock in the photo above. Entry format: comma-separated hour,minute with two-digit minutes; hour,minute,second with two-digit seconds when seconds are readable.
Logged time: 3,07,01
